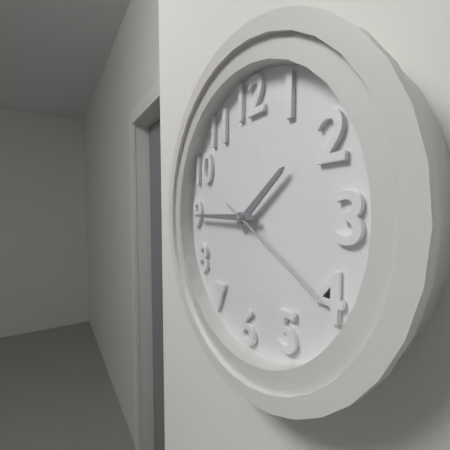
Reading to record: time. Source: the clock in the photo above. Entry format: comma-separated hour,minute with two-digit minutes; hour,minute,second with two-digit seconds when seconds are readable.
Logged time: 1,45,20
